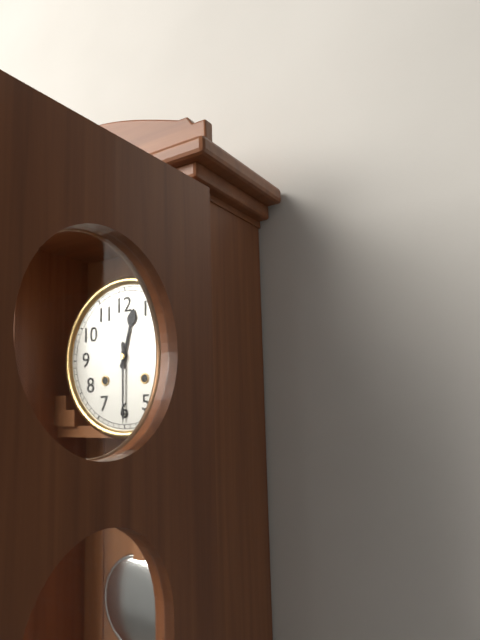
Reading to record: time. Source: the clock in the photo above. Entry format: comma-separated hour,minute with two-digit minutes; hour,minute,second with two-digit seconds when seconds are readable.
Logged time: 12,30
